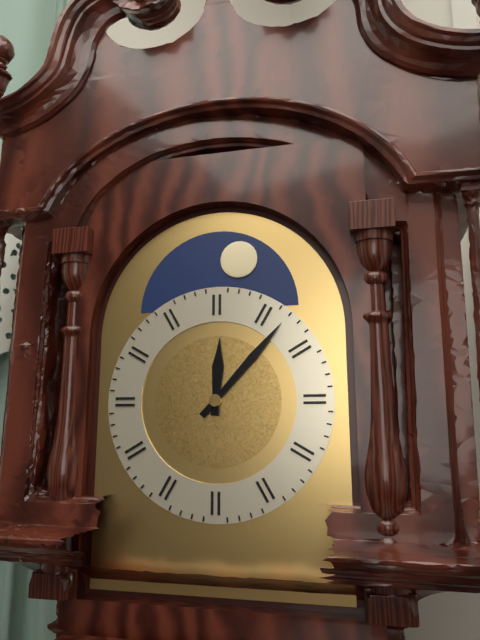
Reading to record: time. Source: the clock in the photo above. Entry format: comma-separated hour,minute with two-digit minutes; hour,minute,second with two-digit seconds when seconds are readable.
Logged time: 12,07
